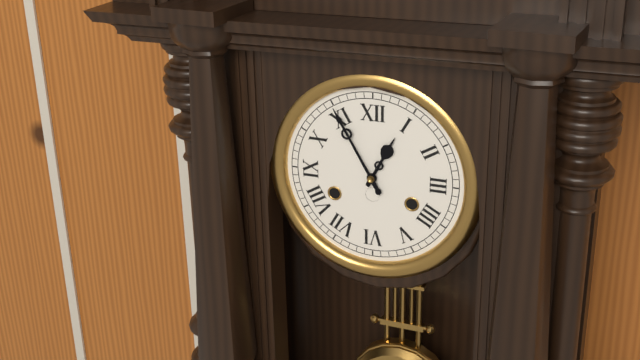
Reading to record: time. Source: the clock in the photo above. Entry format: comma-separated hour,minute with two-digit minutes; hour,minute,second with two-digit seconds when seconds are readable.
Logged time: 12,55
